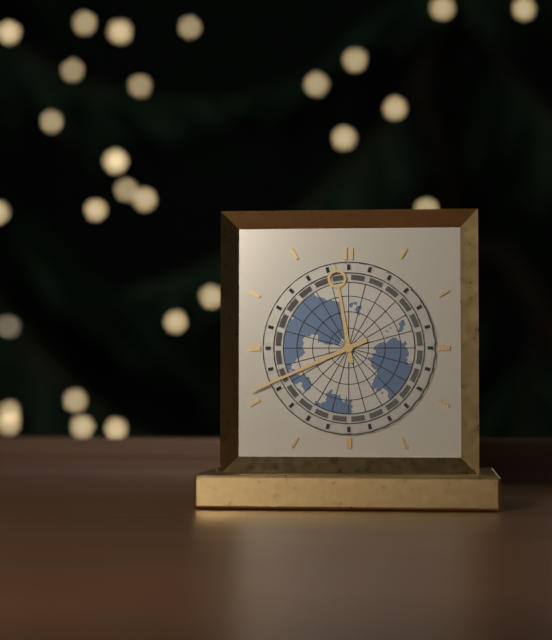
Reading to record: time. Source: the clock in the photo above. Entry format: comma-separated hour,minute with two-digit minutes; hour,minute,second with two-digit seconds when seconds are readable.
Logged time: 11,41
